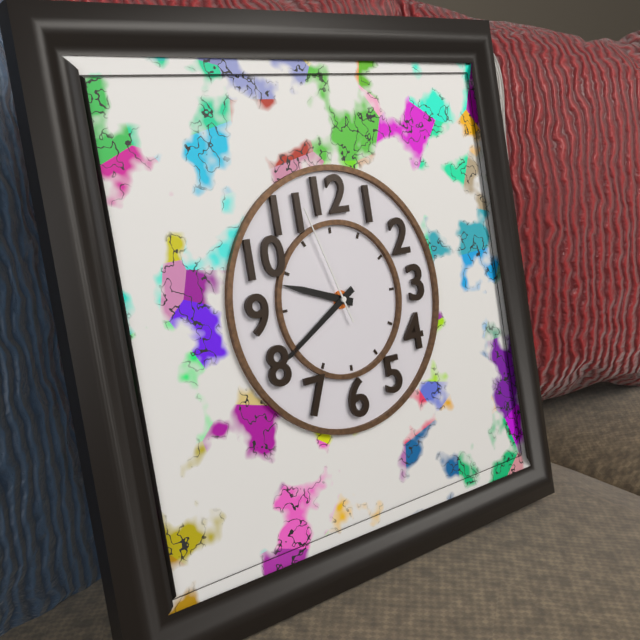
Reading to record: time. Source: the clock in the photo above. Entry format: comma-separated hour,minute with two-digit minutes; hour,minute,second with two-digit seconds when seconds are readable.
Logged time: 9,40,57
